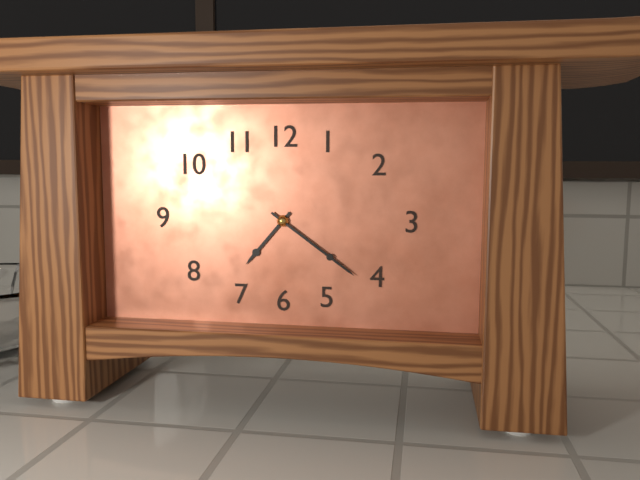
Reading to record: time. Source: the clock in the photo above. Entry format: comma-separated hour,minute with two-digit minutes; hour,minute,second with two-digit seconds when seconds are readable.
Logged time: 7,21
